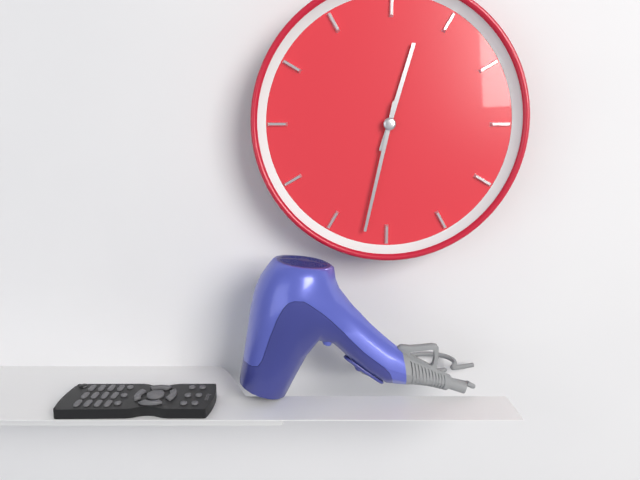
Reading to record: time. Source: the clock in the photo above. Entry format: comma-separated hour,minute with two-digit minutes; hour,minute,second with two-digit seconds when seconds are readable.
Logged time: 12,32
